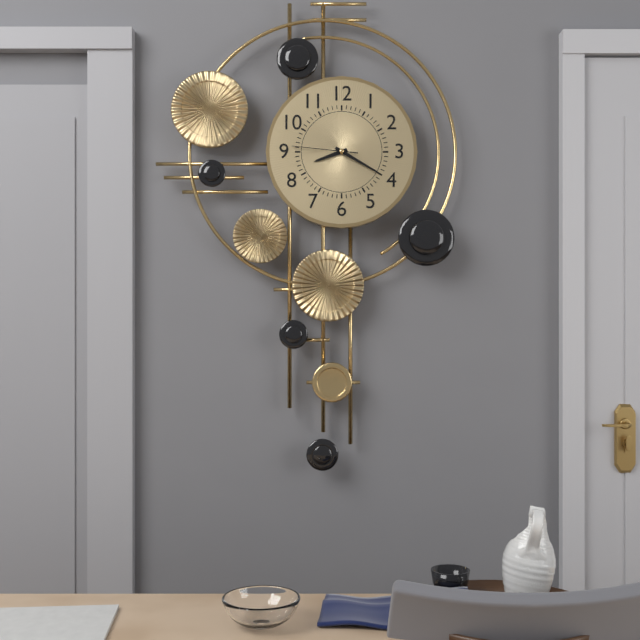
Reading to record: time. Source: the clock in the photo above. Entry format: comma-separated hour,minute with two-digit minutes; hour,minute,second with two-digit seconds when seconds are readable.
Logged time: 8,20,46
